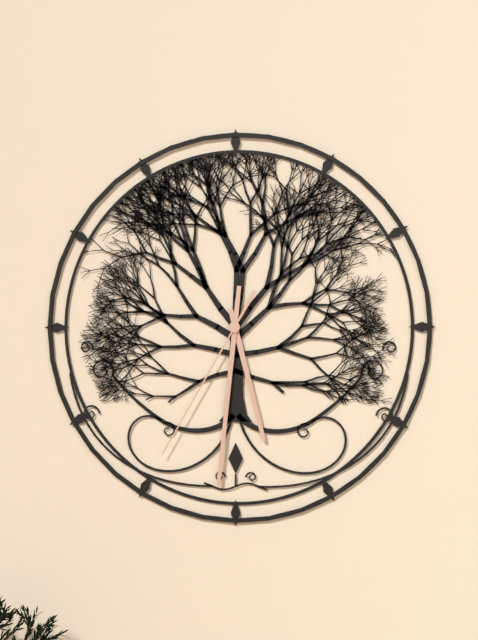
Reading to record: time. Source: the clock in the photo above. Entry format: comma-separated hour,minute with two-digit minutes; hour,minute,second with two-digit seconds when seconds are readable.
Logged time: 5,31,35
